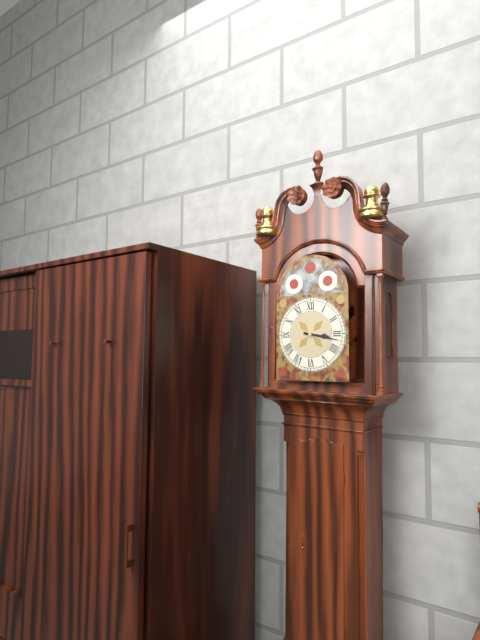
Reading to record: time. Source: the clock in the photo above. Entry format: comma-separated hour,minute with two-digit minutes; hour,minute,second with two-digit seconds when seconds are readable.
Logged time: 3,17
